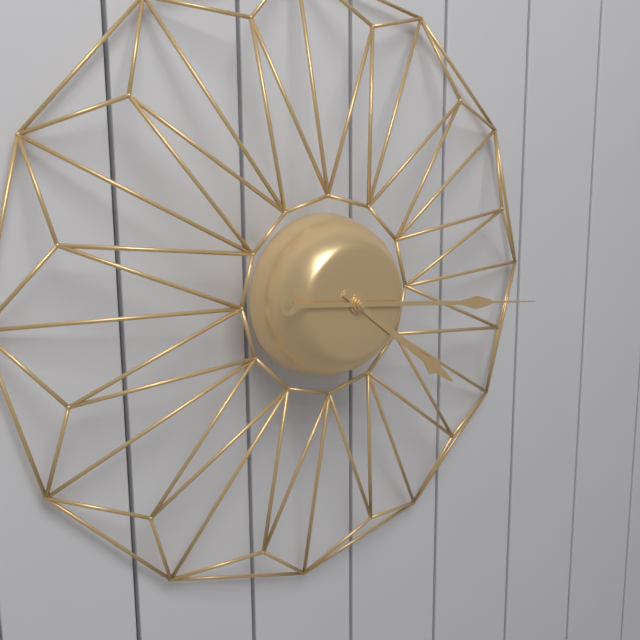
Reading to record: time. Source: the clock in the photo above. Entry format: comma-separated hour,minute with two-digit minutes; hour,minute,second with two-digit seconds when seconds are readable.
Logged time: 4,16
